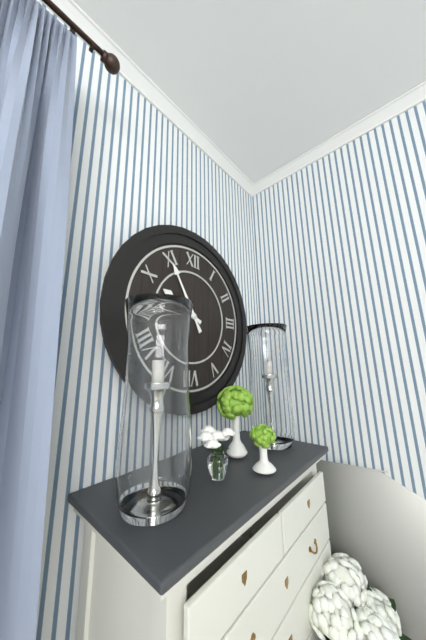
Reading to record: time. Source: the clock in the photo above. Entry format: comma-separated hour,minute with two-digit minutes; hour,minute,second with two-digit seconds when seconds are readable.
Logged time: 9,55
